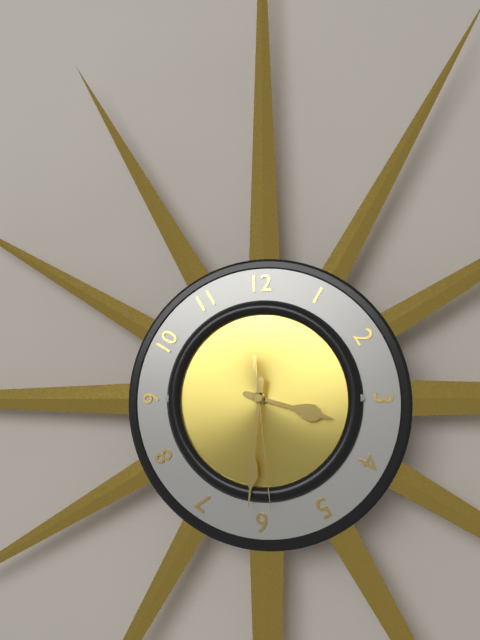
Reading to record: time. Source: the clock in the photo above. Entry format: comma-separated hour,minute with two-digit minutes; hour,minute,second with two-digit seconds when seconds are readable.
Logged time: 3,31,29
